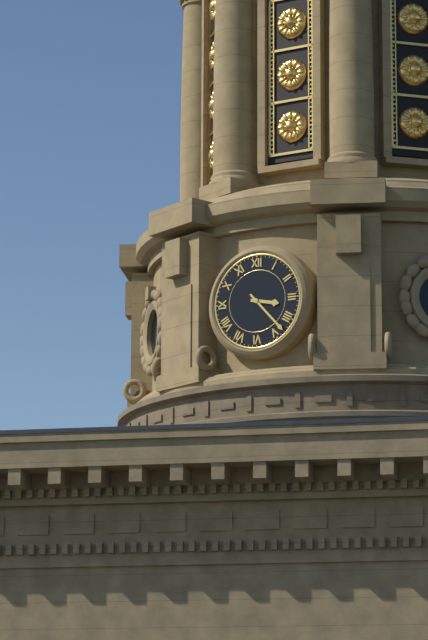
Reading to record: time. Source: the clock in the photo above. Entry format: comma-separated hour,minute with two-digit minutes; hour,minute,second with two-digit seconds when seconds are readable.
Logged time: 3,23
